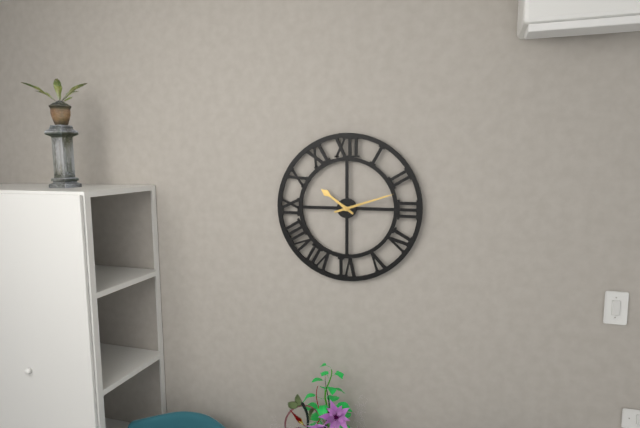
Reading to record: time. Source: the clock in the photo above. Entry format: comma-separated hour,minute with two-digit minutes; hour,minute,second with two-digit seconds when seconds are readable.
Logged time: 10,12
